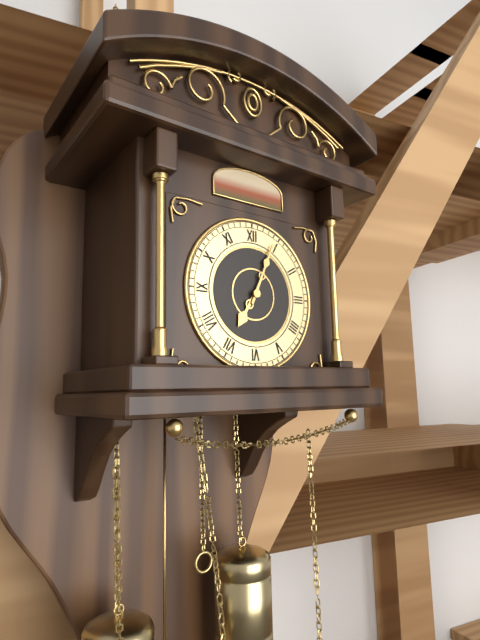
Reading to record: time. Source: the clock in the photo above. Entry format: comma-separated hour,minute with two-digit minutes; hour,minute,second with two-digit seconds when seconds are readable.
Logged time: 7,04
